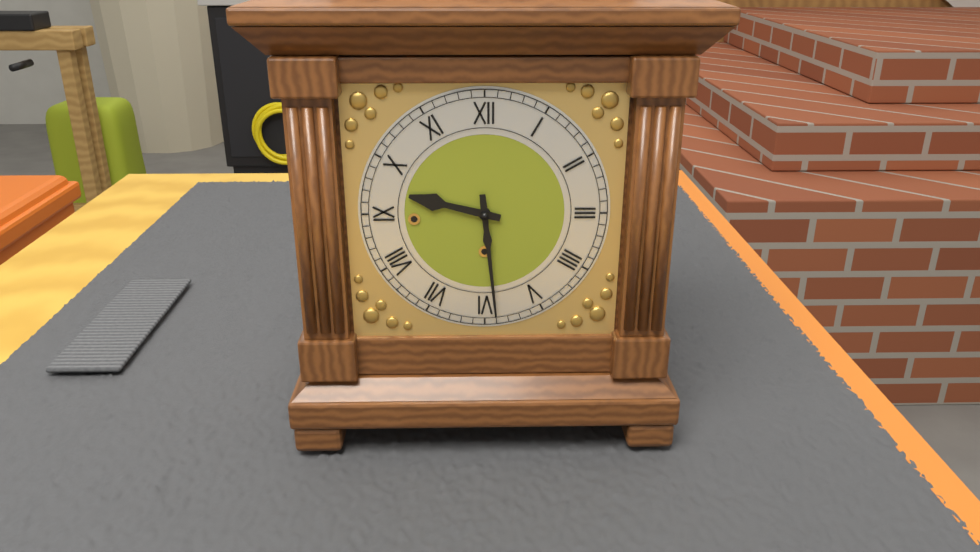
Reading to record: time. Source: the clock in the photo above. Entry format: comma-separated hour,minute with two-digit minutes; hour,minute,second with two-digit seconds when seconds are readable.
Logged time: 9,29
